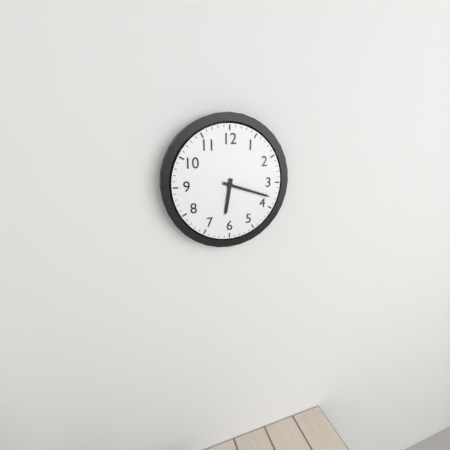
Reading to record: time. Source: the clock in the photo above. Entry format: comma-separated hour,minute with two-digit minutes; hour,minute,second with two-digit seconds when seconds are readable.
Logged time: 6,18
